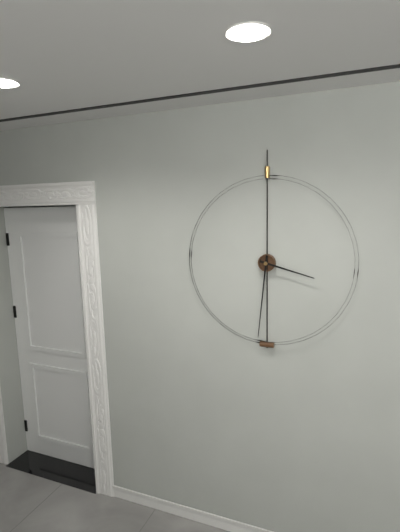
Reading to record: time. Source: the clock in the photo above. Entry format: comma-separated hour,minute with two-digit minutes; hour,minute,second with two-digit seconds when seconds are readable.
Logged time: 3,31
